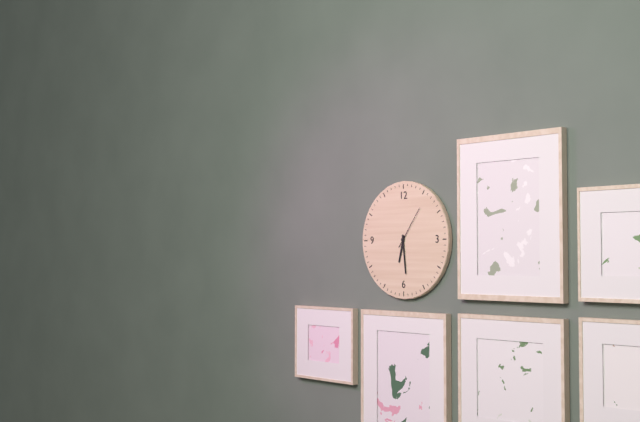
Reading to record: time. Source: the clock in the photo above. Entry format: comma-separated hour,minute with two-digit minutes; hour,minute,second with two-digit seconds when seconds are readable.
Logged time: 6,29
